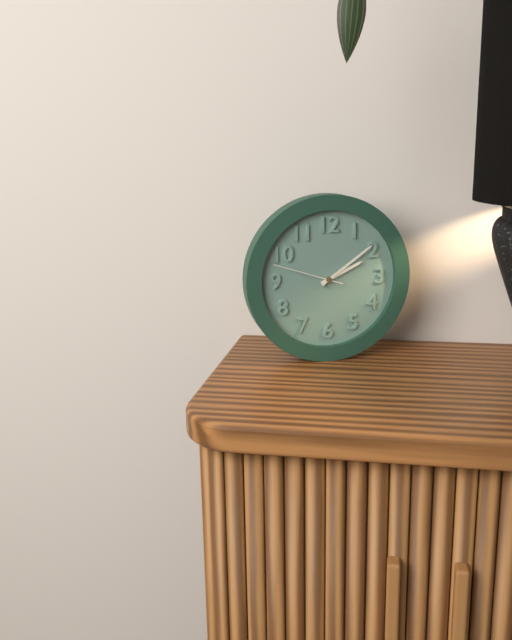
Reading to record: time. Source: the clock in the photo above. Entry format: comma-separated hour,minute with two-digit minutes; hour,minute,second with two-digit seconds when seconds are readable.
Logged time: 2,09,48
